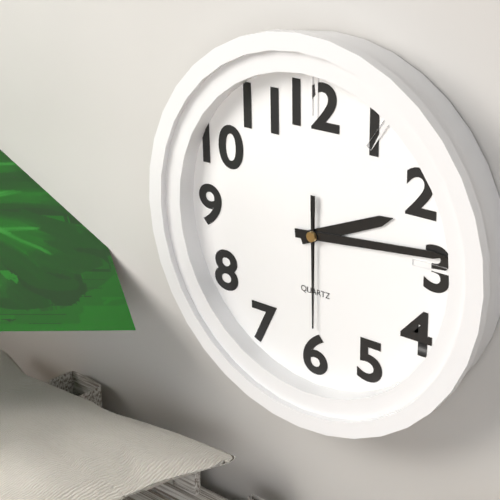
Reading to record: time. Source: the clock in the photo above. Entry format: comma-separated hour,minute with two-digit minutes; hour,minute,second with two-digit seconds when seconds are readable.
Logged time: 2,14,30
